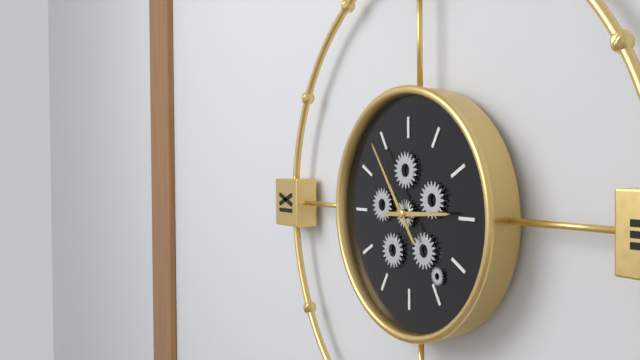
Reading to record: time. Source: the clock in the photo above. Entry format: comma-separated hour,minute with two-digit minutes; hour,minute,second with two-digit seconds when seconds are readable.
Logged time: 2,54
